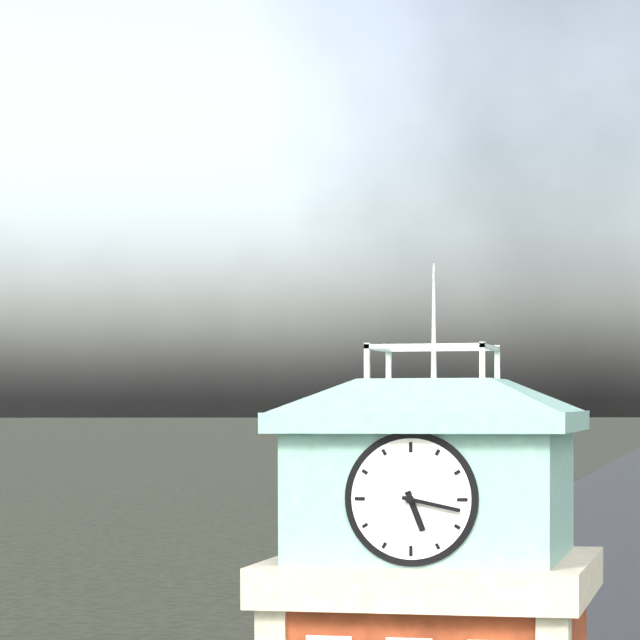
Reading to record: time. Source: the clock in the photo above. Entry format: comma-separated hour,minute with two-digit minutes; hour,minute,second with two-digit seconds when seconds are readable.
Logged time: 5,17
